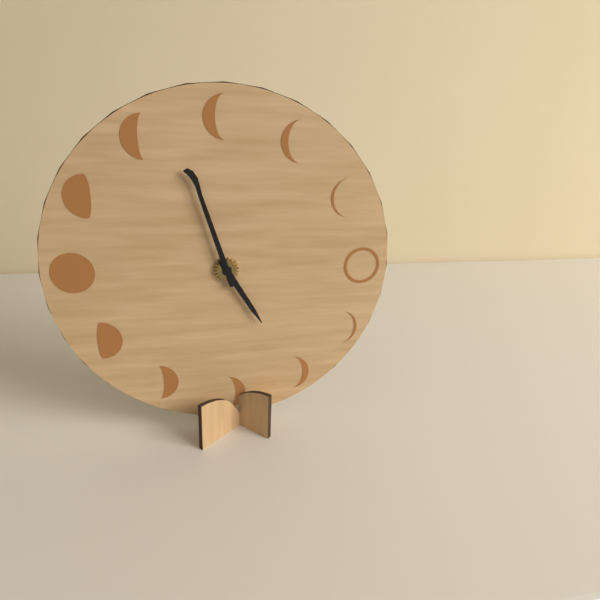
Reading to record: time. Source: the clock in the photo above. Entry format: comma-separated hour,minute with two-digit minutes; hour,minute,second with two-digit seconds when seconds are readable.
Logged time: 4,57
